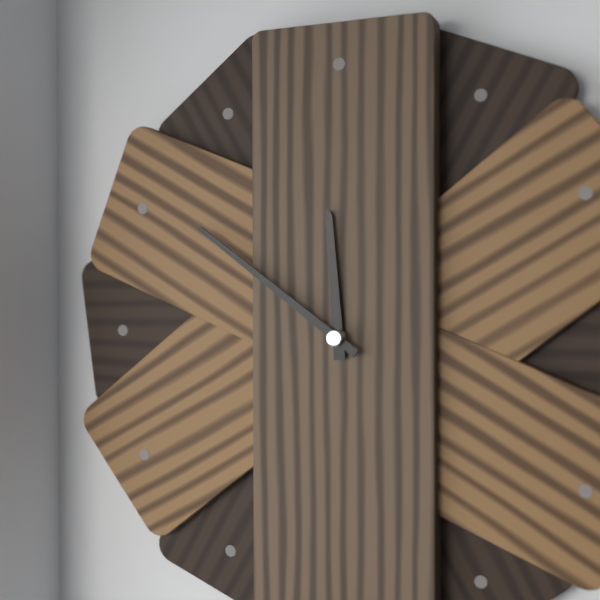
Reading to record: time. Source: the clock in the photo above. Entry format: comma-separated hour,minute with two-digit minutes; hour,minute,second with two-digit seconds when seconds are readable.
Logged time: 11,51
